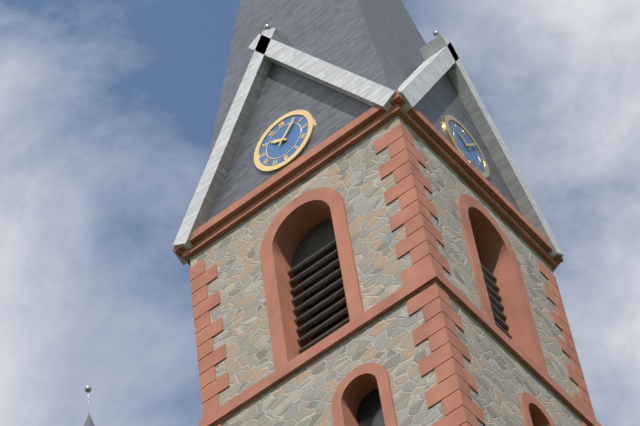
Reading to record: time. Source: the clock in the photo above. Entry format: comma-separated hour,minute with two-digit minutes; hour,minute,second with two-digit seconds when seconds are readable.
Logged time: 10,07
